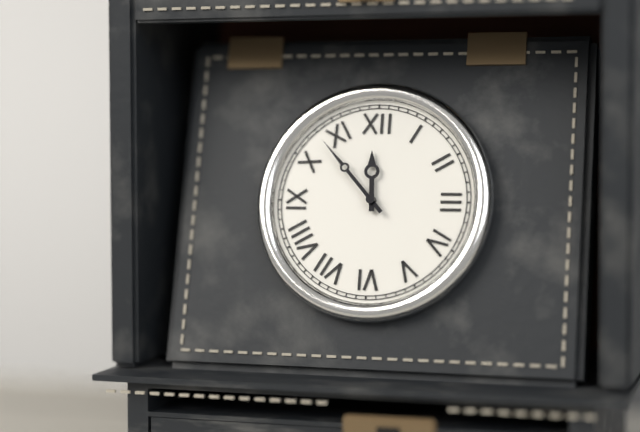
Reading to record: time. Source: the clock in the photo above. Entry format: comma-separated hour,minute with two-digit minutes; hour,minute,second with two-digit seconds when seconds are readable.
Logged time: 11,53
